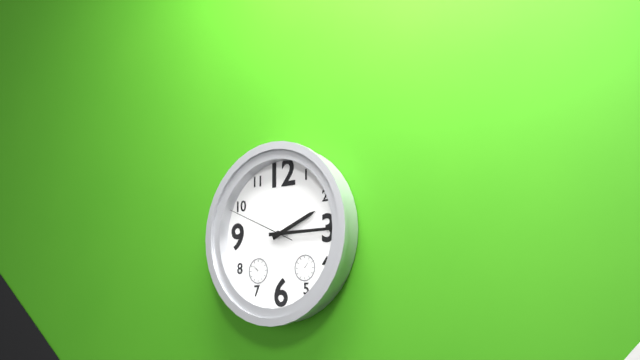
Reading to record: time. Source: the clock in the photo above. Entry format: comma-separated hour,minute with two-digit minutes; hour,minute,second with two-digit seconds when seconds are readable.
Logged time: 2,15,49
